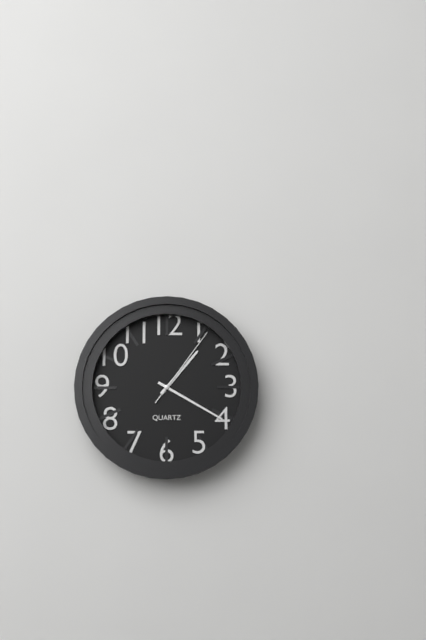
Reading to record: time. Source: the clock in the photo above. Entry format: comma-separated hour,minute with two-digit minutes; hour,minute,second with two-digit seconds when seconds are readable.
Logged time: 1,20,06
